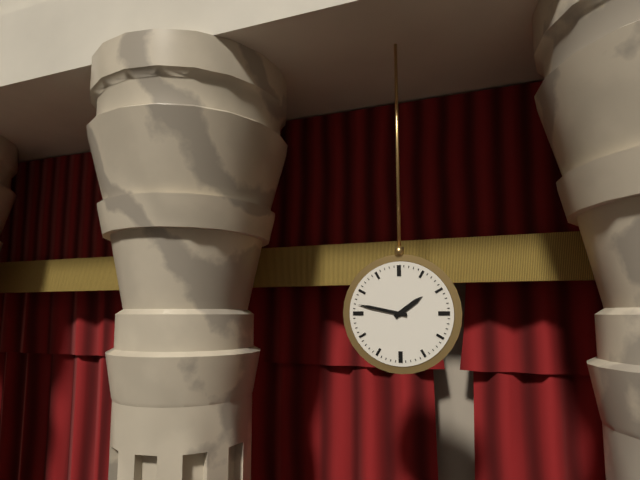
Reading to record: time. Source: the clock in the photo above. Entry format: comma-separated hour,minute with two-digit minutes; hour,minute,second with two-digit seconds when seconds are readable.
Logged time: 1,47
